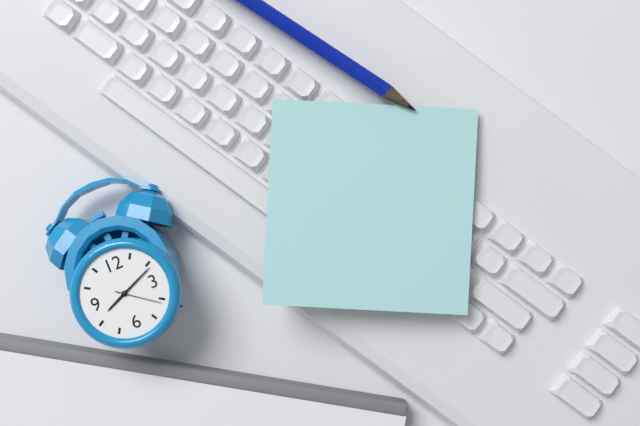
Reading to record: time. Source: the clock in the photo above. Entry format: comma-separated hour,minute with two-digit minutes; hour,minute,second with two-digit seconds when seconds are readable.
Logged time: 8,11,21
